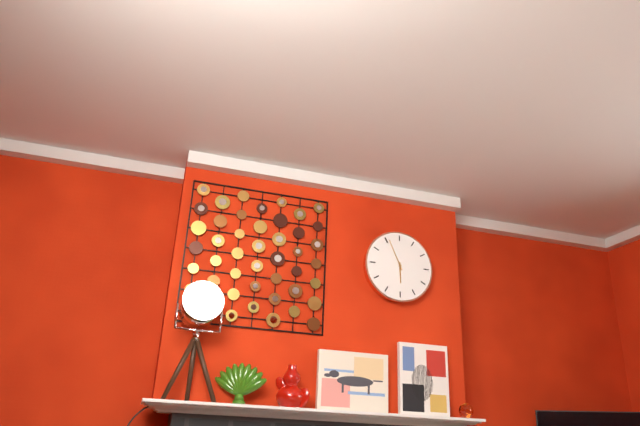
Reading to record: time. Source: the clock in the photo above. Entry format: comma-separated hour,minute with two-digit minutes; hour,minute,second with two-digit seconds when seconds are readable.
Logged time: 5,56
